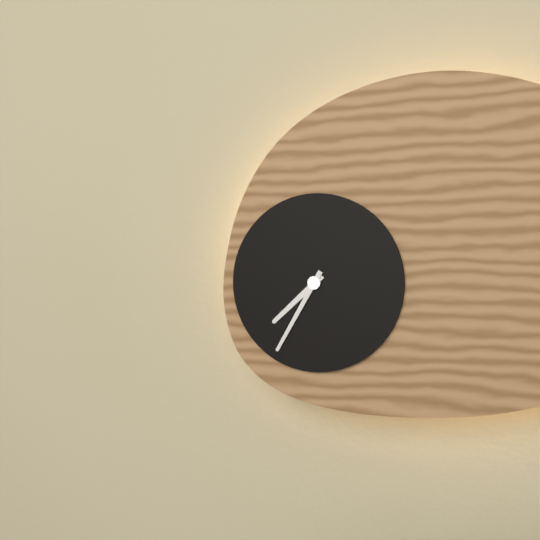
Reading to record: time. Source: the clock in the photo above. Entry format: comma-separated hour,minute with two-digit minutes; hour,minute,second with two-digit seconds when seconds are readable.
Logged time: 7,35
